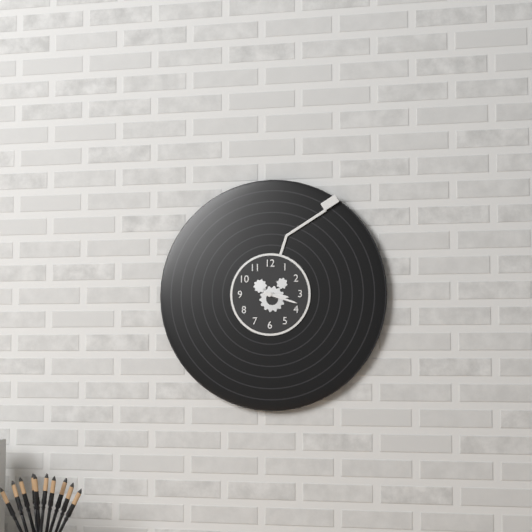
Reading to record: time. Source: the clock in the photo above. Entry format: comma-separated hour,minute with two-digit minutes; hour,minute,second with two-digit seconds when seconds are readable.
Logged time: 3,18
